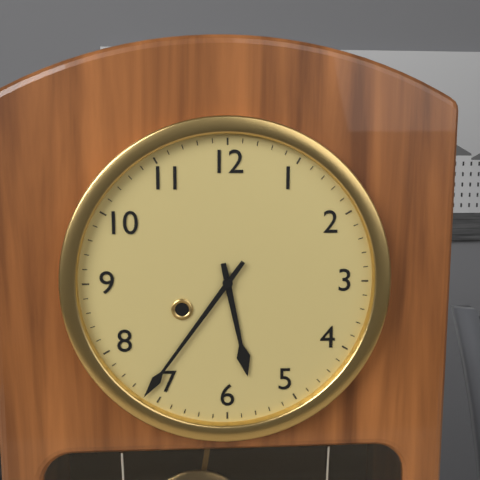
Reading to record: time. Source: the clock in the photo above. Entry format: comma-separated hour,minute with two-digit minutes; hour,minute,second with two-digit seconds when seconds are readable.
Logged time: 5,36
